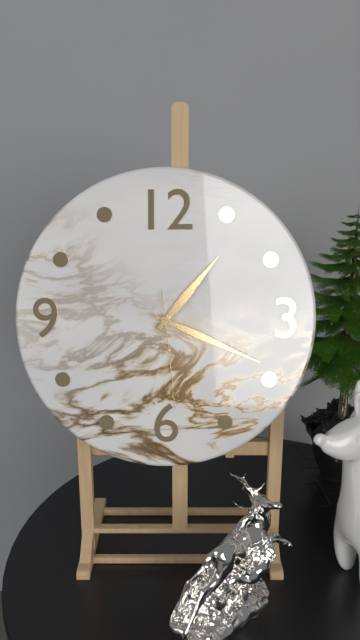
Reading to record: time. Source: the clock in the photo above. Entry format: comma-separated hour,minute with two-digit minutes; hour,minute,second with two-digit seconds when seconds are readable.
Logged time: 1,19,29
